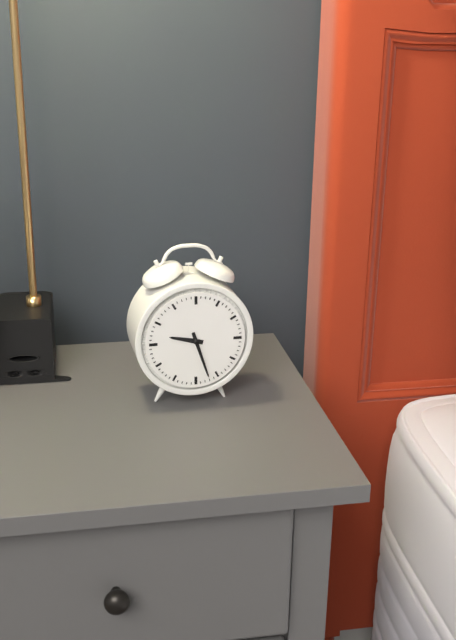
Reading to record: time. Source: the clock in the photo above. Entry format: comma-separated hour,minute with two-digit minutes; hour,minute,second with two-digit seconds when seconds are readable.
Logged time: 9,27
